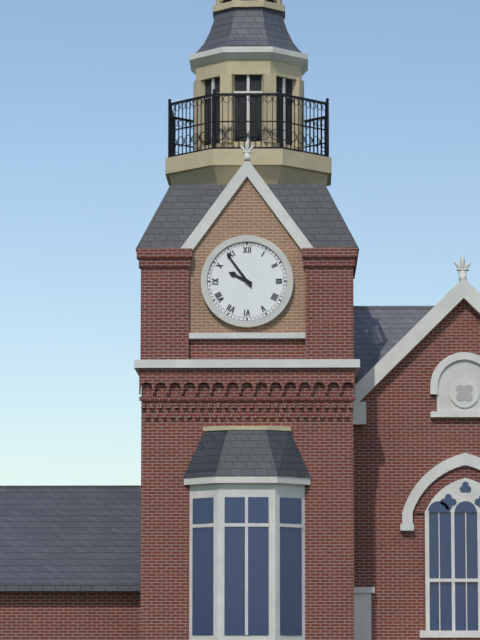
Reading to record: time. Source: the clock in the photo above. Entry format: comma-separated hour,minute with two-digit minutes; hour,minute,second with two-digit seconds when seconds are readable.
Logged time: 9,54
